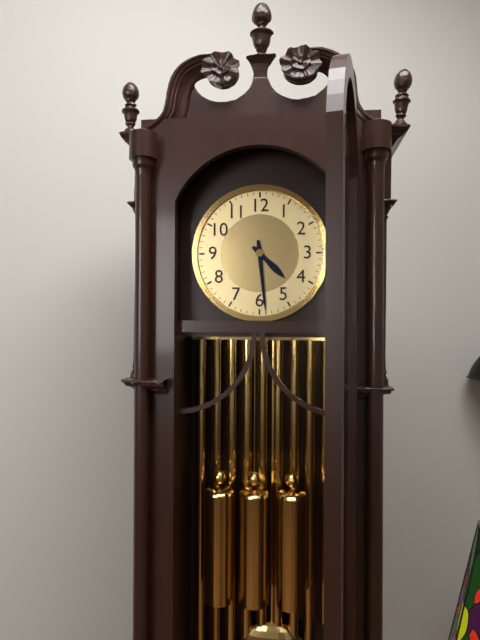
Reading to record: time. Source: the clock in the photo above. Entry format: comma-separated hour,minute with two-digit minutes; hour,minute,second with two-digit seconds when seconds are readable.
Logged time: 4,29
